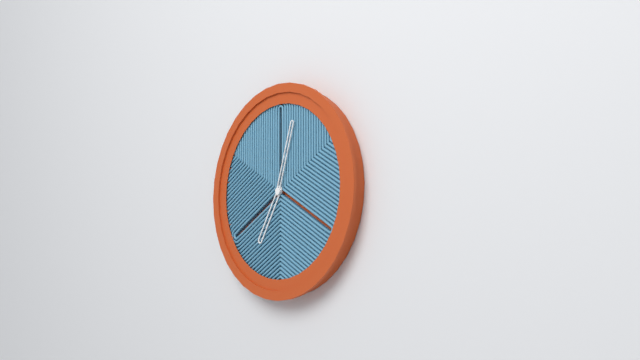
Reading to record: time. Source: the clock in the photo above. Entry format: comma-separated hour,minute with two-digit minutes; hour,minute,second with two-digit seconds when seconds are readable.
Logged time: 7,03
